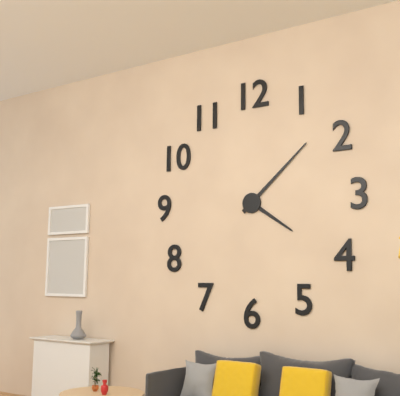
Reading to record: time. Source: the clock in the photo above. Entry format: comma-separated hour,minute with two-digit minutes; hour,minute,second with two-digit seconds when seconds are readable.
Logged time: 4,08
